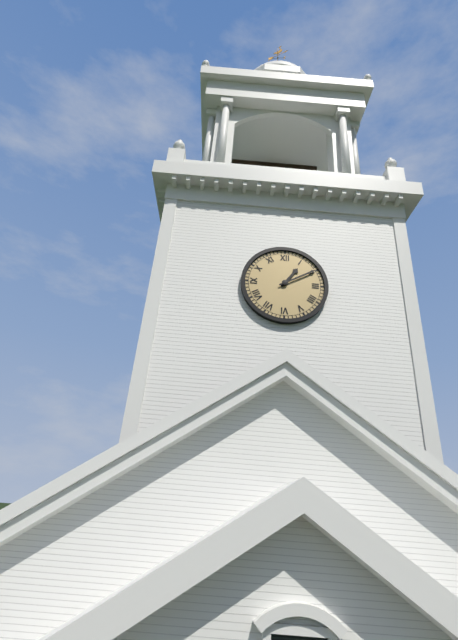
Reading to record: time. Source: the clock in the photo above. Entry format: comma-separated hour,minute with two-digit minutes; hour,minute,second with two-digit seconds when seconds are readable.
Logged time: 1,10
